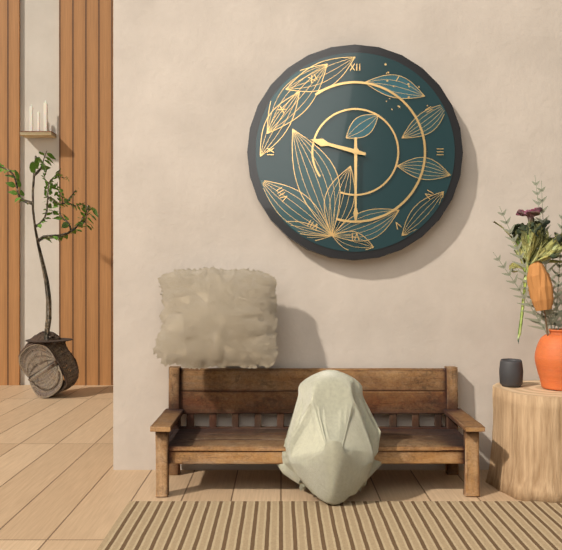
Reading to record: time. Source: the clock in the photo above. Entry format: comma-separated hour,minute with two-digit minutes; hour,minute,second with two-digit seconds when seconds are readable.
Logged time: 9,30
